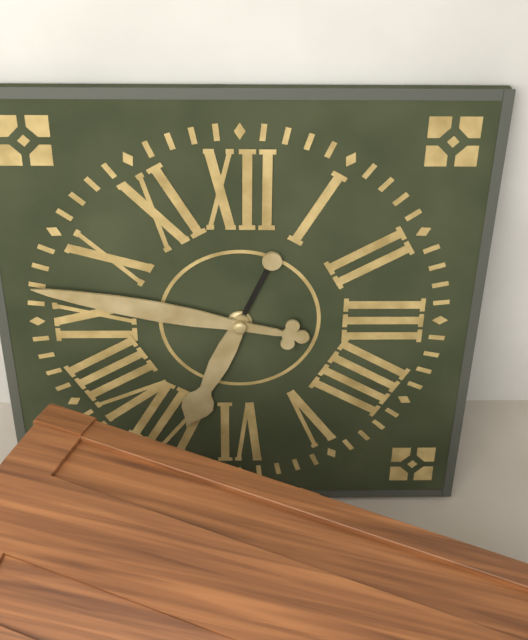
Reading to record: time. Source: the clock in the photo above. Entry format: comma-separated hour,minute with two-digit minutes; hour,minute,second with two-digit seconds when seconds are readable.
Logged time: 6,47
